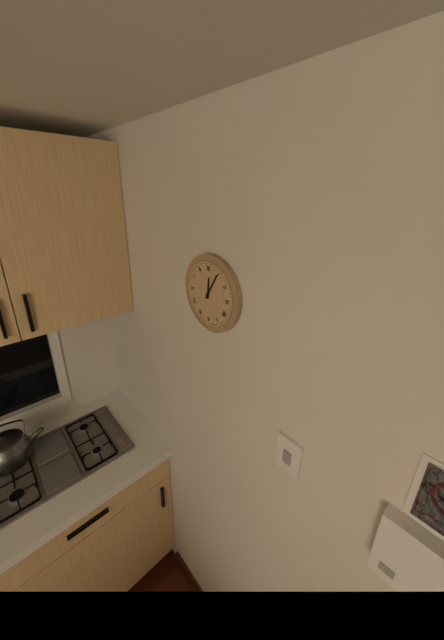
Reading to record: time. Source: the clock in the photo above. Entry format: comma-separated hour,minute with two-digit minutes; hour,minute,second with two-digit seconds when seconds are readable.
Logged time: 12,05
